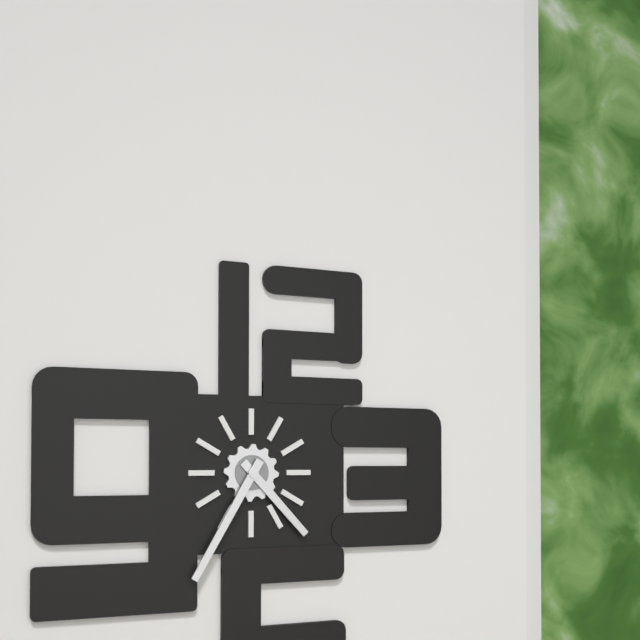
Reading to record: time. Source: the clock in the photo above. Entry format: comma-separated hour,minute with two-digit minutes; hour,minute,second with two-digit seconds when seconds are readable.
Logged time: 4,35
